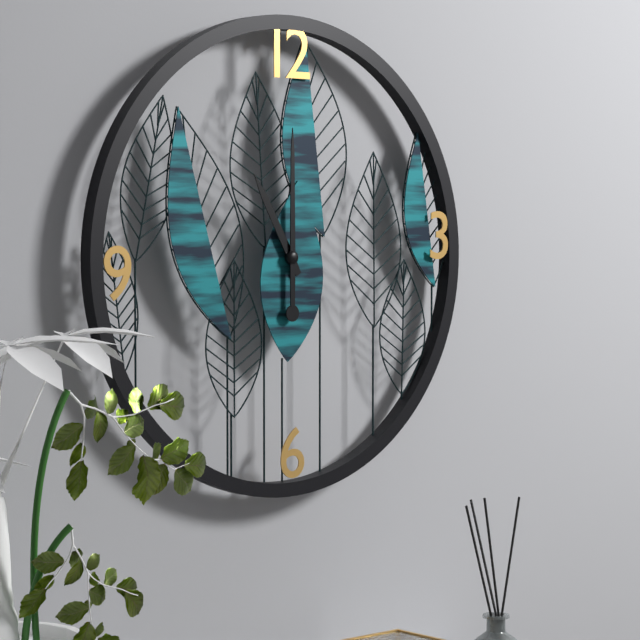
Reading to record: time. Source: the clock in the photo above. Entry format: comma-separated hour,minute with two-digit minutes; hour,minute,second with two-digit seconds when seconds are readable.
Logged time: 11,00
